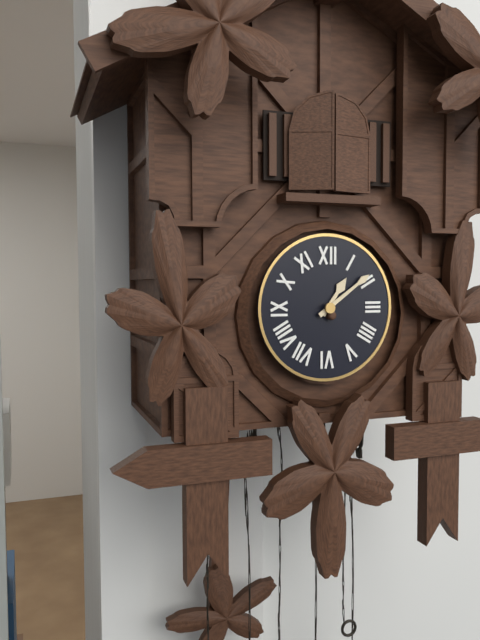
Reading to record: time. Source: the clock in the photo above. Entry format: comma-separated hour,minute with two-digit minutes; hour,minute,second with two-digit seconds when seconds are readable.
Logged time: 1,09
